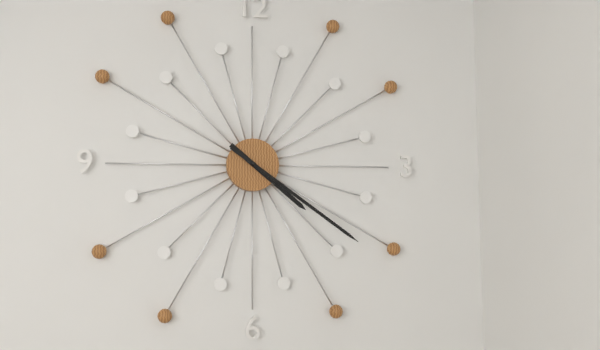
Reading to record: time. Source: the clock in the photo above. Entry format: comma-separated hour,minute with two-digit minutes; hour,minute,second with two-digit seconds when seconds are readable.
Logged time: 4,21
